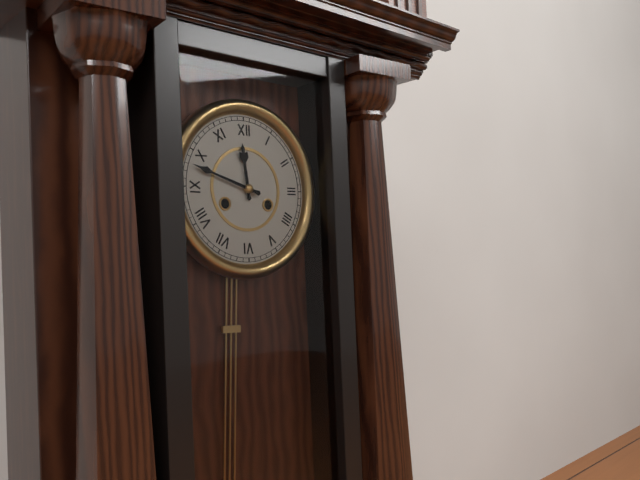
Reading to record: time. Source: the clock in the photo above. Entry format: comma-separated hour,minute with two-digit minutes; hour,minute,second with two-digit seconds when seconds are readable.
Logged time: 11,48
